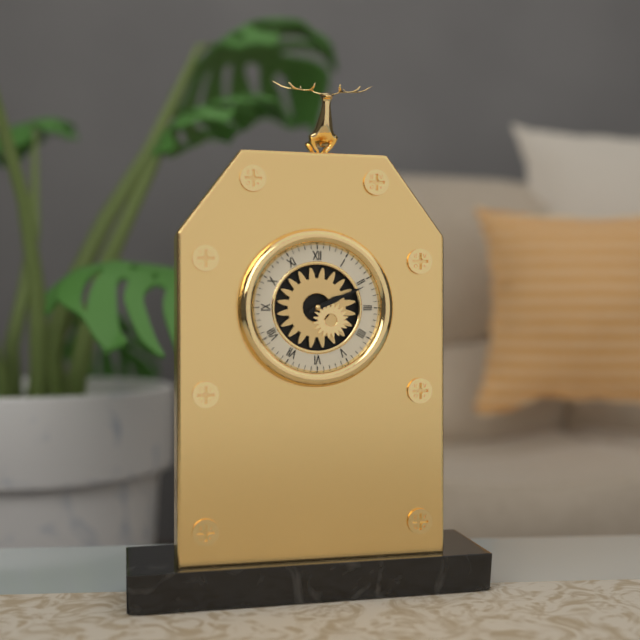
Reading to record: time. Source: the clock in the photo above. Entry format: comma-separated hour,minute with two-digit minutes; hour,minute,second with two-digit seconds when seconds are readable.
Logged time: 2,11
